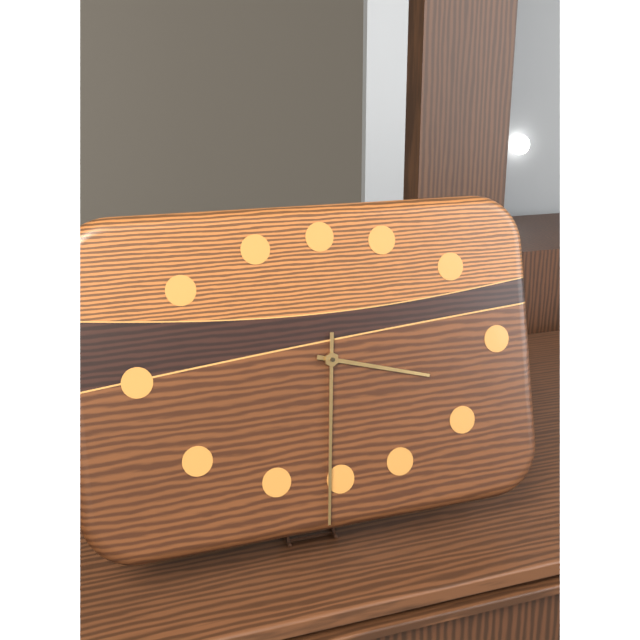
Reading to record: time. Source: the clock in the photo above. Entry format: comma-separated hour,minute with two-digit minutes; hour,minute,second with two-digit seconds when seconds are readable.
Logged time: 3,31
